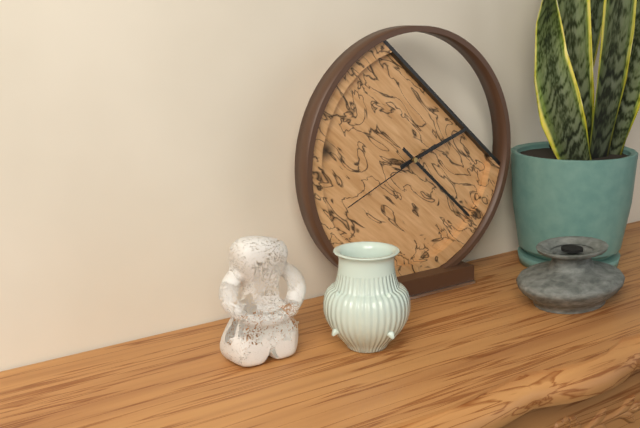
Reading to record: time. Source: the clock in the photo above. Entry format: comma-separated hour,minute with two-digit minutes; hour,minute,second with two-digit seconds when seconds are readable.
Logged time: 2,22,41
